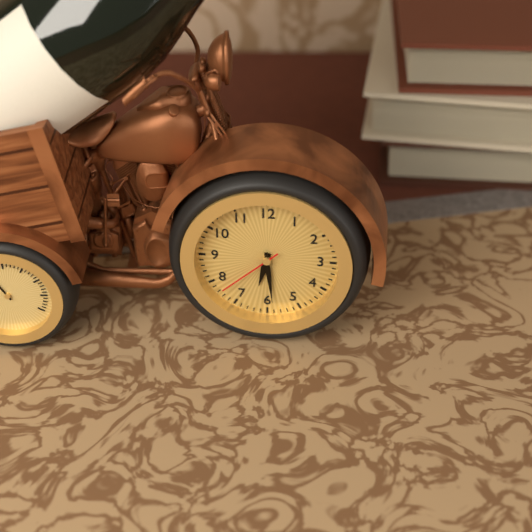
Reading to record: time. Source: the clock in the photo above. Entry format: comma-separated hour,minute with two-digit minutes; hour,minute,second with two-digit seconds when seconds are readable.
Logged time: 6,29,38
